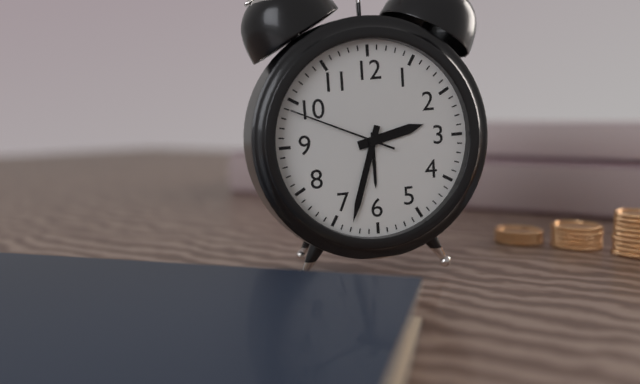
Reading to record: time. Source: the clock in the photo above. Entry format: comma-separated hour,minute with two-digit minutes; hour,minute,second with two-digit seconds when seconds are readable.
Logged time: 2,33,49
